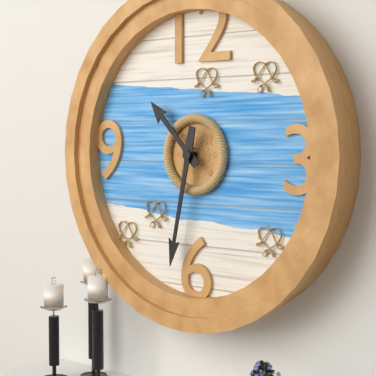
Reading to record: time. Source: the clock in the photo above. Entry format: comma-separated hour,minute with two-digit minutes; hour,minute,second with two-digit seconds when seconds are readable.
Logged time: 10,32
